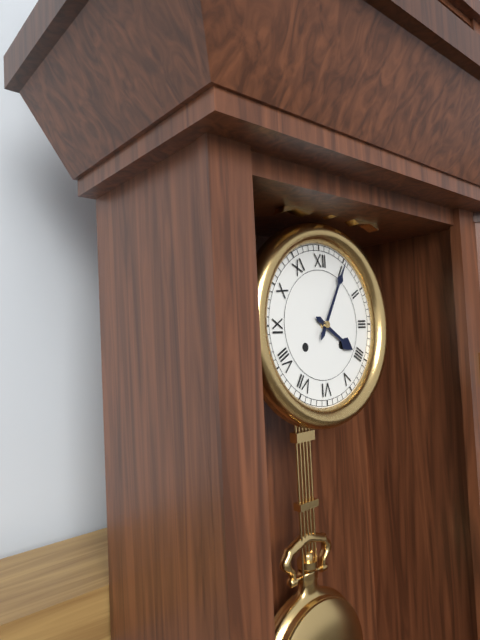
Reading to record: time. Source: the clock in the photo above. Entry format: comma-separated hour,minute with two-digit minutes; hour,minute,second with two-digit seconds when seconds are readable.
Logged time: 4,05
